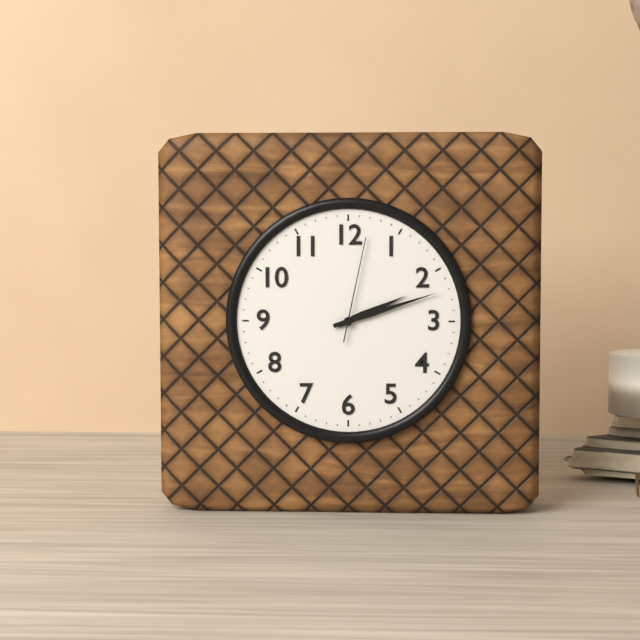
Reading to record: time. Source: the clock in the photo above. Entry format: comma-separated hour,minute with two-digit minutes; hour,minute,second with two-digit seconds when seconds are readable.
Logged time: 2,12,02
